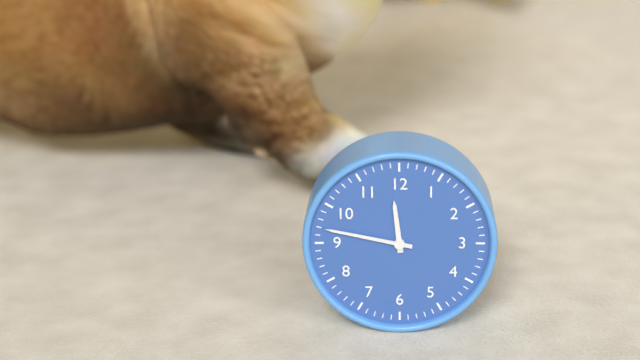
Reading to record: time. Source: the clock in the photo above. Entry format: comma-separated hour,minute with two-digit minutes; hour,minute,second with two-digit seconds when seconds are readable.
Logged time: 11,47
